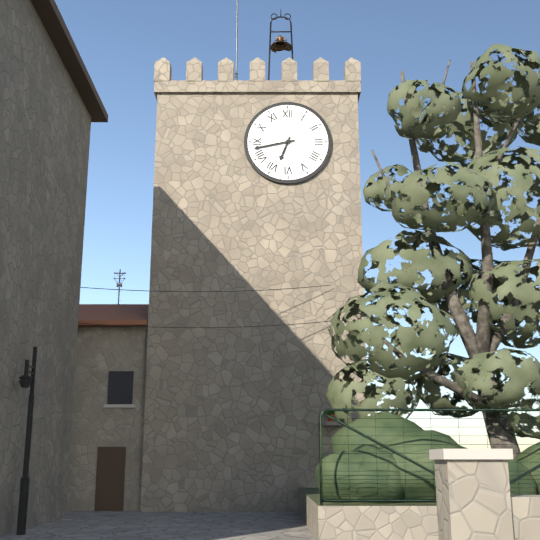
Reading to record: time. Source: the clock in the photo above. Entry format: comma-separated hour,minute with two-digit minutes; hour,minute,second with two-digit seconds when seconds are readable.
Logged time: 6,43
